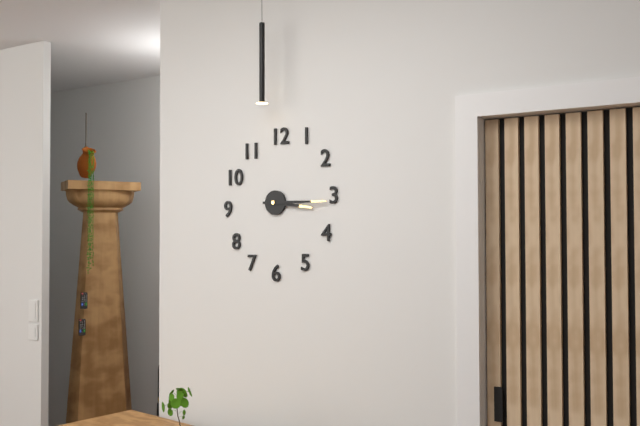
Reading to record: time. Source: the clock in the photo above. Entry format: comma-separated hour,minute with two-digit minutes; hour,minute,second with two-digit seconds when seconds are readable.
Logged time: 3,15
